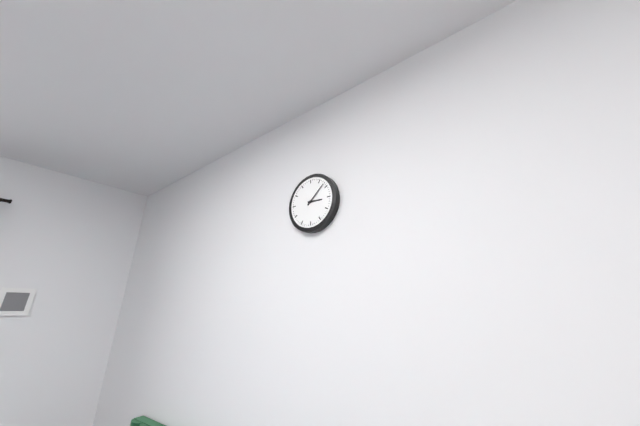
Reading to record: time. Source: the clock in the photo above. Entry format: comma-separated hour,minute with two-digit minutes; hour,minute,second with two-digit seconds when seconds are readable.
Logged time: 3,08
